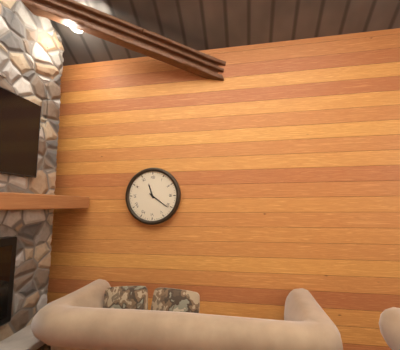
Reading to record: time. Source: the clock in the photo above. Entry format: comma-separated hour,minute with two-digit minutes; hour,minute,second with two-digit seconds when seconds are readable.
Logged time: 11,21
